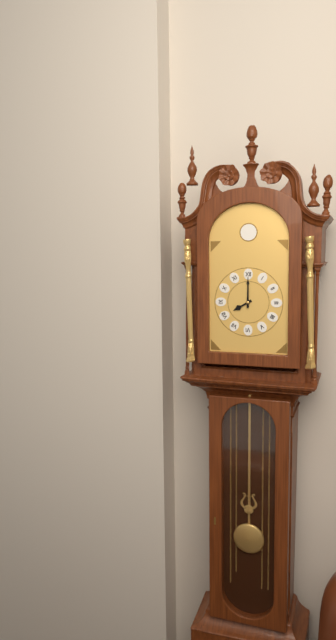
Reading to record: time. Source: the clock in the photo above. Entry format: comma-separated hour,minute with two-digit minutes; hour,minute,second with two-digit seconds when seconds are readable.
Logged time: 8,00
